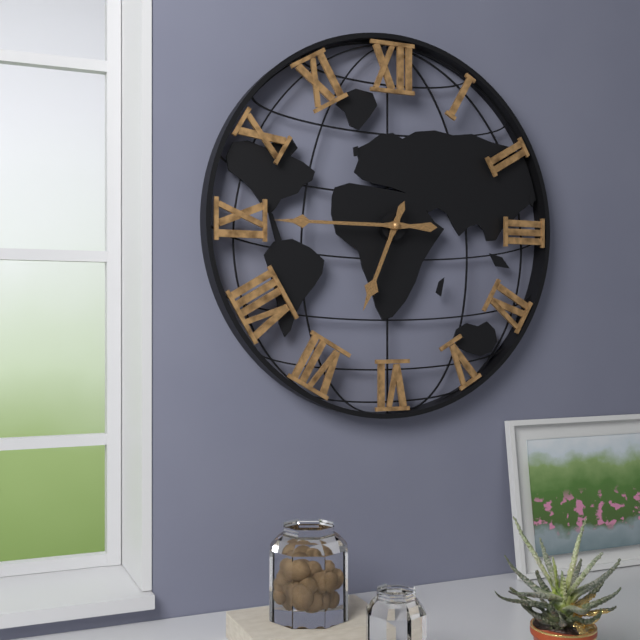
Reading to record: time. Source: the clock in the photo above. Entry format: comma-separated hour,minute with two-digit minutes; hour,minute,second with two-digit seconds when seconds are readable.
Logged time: 6,45
